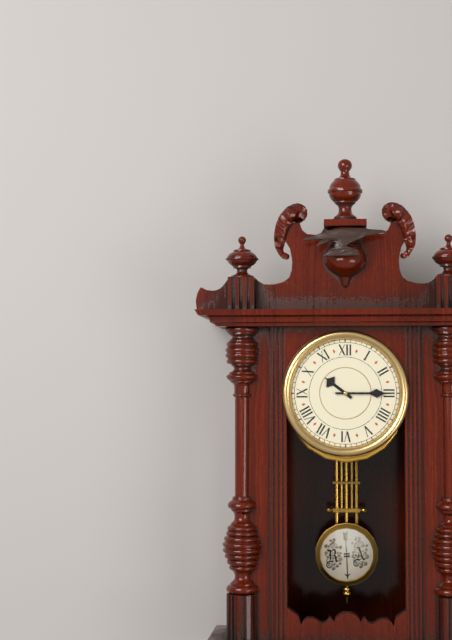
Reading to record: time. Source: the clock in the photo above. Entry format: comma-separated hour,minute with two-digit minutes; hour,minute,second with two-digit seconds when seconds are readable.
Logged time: 10,15
